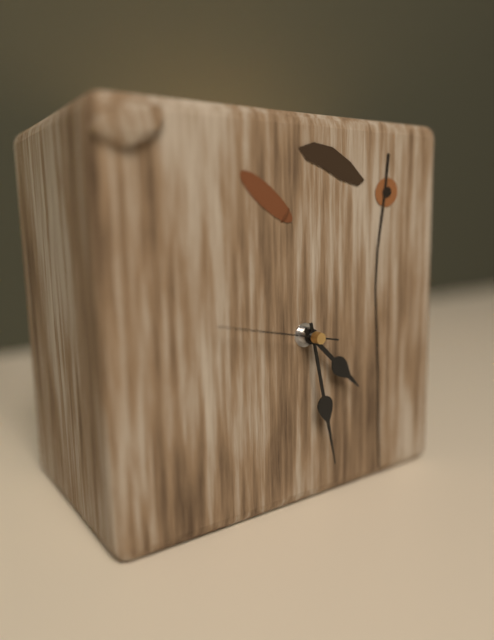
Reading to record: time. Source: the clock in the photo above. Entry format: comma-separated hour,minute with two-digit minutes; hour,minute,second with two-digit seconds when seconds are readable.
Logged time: 4,28,47
